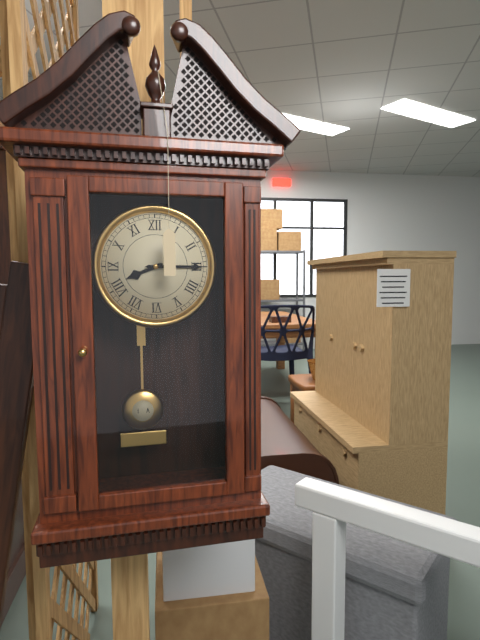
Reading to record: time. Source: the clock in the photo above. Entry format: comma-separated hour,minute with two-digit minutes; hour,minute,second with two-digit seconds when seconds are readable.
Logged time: 8,15
